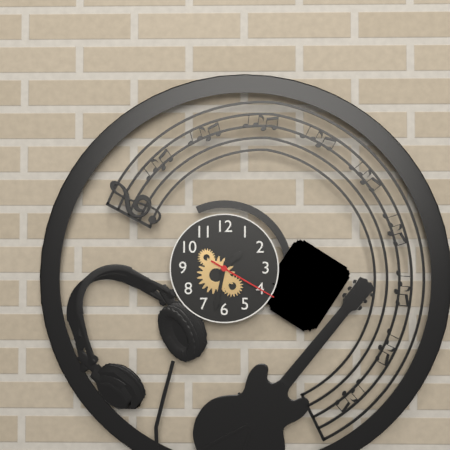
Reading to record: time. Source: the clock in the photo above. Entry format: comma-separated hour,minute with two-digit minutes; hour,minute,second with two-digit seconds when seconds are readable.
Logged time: 1,32,20
